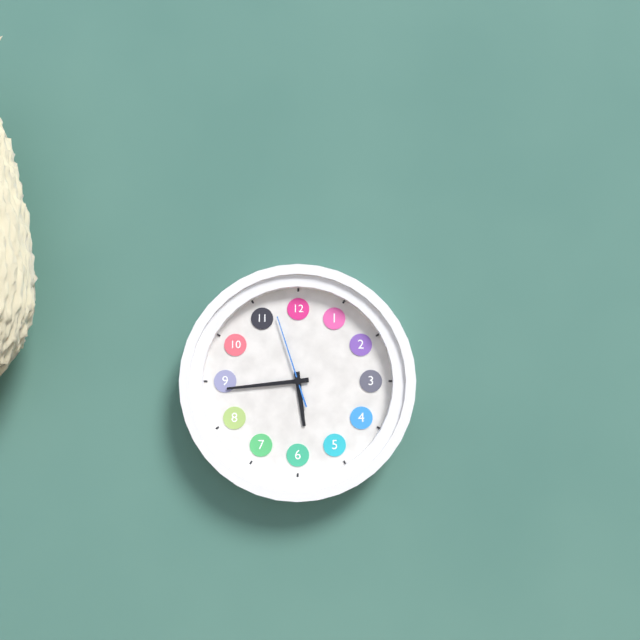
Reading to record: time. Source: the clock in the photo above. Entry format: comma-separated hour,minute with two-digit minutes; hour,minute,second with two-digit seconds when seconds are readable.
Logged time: 5,44,57
